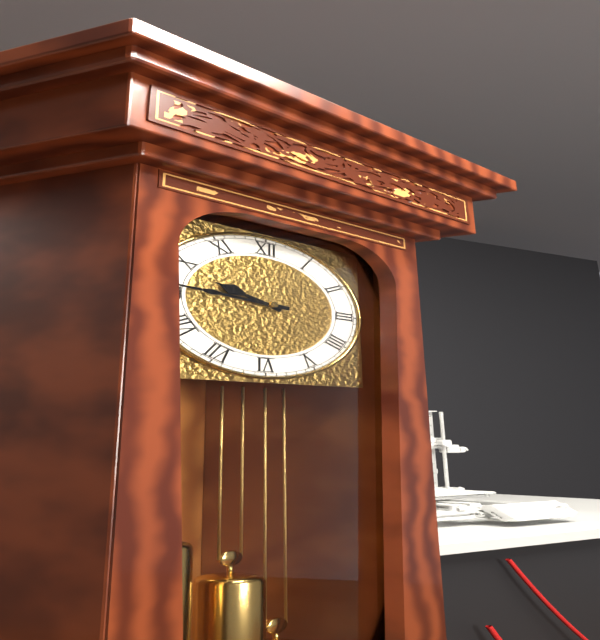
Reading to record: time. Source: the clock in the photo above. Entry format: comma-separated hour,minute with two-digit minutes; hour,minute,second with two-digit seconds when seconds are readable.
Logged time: 9,46
